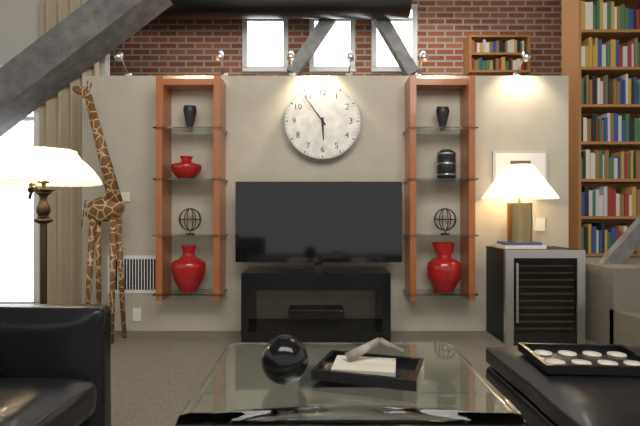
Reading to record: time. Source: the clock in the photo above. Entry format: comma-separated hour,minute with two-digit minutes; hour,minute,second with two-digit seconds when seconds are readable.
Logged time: 5,54
